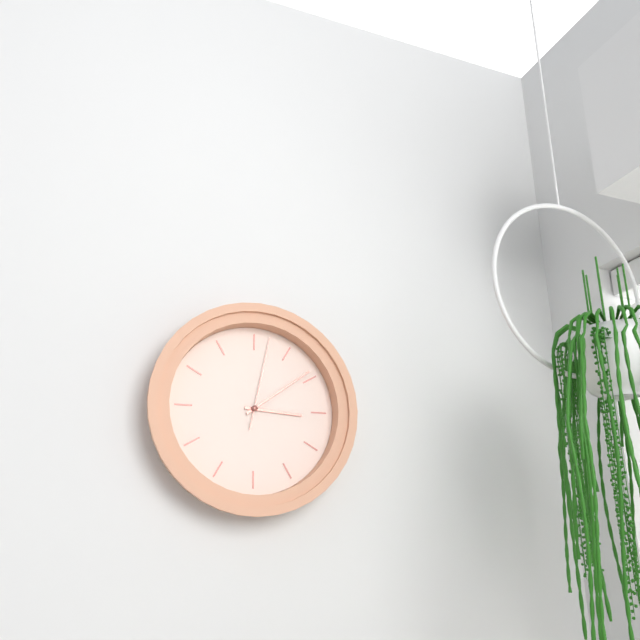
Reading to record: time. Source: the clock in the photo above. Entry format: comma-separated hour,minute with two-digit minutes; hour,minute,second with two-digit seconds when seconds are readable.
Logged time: 3,09,02
